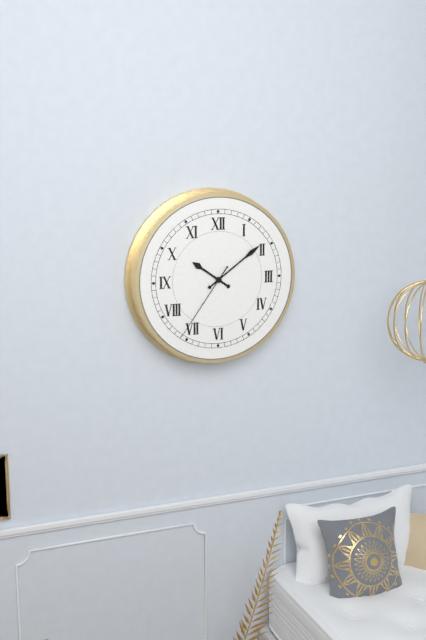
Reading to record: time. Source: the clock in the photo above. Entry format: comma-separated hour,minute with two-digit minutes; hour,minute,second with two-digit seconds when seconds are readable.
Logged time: 10,09,36
